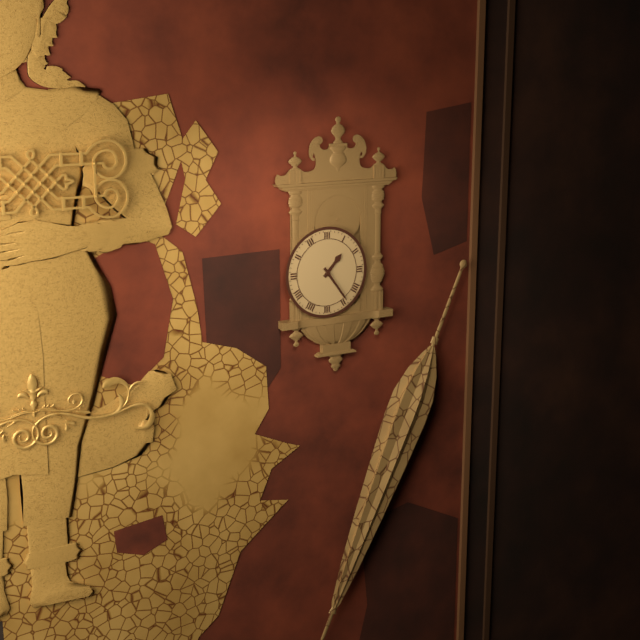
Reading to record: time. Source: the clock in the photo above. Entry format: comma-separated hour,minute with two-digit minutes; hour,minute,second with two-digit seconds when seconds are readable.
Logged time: 1,24
